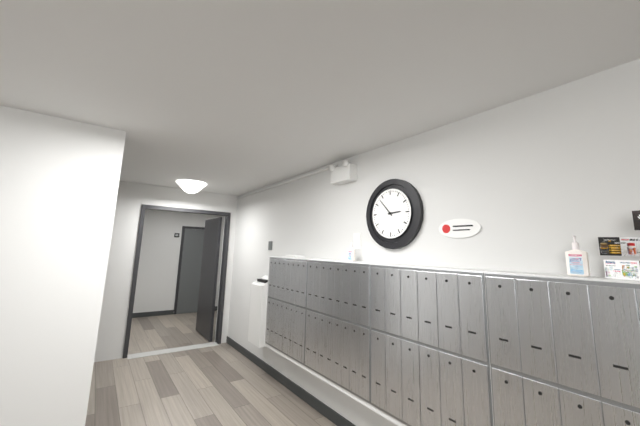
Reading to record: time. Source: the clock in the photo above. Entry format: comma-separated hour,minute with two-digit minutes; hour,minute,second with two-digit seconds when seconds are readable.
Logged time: 2,53
